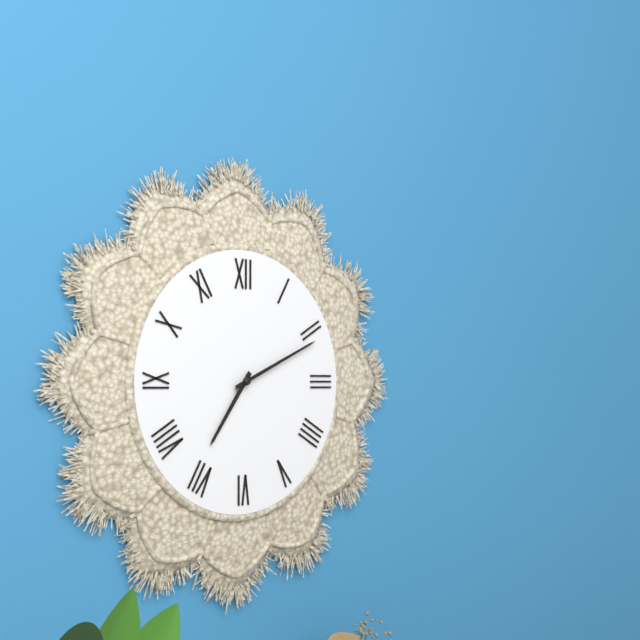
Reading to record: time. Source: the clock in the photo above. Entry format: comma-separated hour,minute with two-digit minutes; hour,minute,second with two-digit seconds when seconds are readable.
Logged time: 7,11
